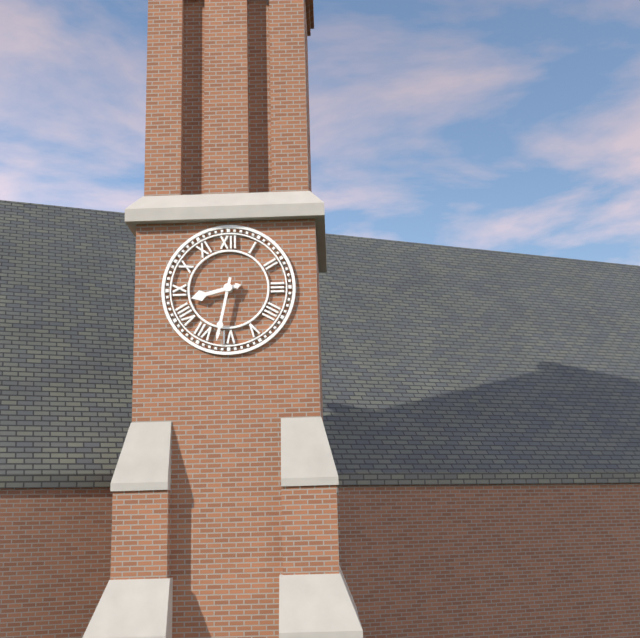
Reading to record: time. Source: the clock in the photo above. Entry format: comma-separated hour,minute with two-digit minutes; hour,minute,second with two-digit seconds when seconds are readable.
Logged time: 8,32
